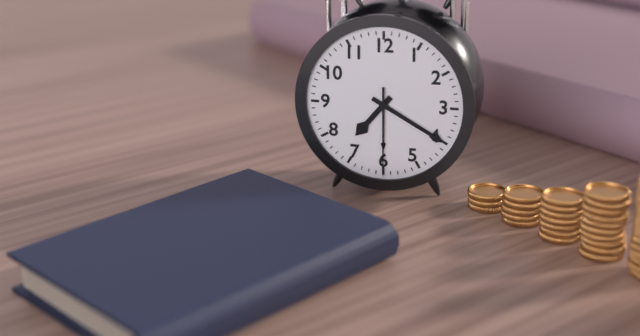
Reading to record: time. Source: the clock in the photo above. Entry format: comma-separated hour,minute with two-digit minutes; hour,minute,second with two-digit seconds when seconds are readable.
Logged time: 7,20,30
